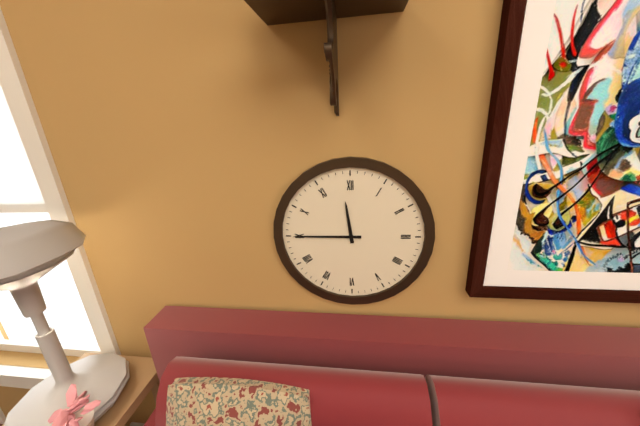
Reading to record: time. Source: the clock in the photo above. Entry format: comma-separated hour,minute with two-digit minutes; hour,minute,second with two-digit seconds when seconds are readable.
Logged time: 11,45
